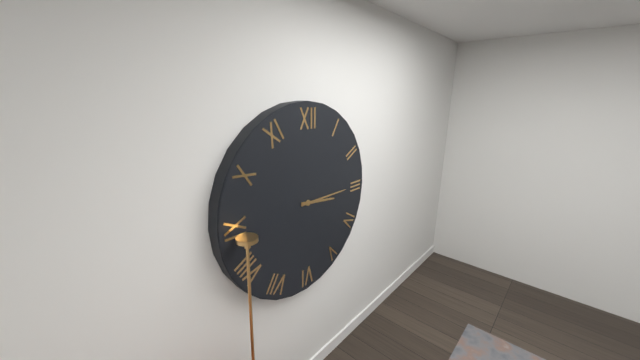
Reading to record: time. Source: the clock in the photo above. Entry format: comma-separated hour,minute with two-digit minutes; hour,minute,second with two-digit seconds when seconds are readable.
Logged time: 3,15
